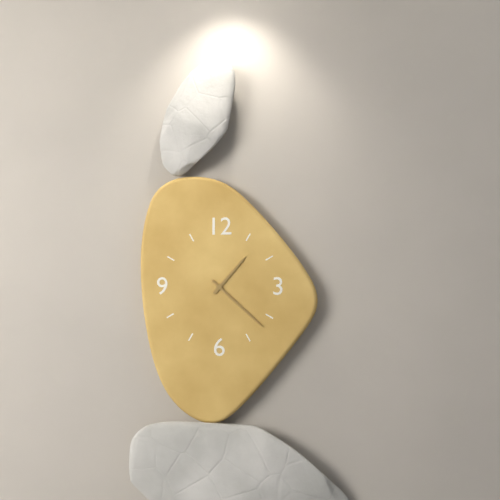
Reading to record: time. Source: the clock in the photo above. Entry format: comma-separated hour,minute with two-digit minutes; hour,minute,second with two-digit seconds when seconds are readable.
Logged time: 1,22
